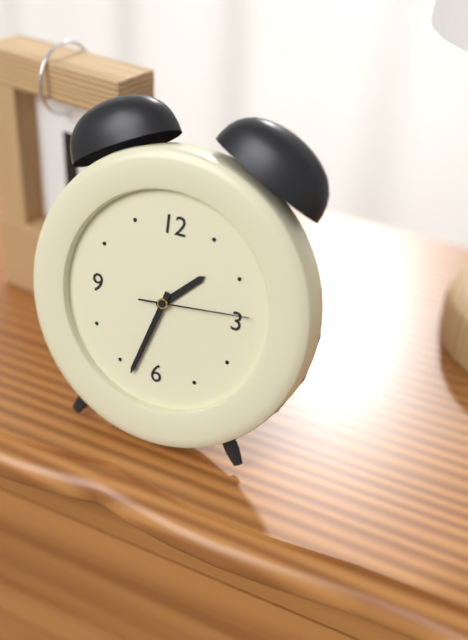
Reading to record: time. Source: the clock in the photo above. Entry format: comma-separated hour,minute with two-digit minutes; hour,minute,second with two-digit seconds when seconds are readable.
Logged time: 1,33,14
